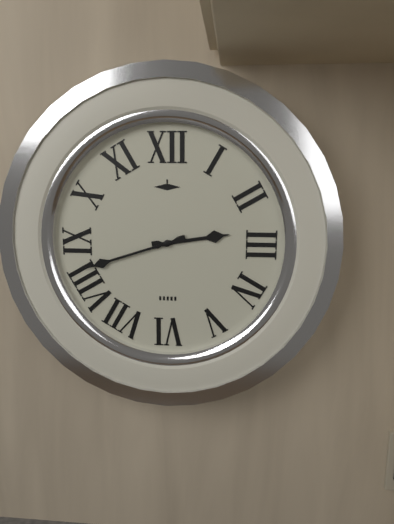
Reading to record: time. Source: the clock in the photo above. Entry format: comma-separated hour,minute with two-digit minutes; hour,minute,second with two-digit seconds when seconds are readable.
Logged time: 2,42
